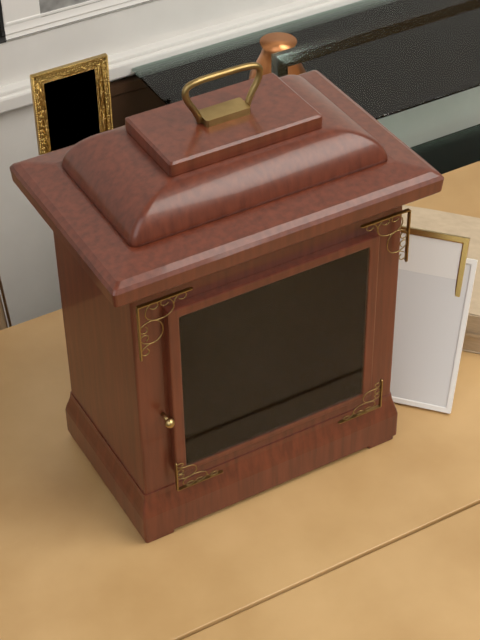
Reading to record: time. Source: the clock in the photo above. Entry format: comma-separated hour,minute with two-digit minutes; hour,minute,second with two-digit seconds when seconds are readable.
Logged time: 7,08
